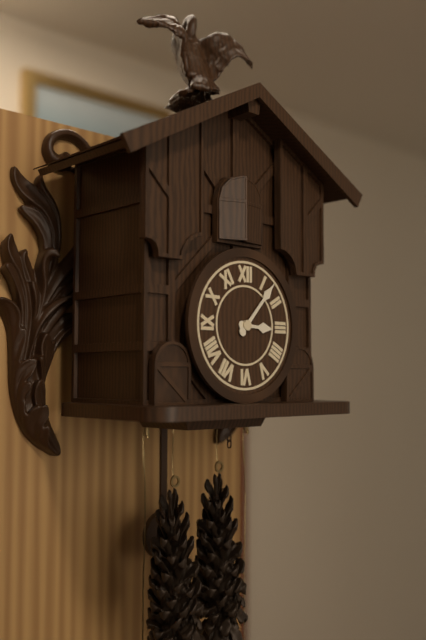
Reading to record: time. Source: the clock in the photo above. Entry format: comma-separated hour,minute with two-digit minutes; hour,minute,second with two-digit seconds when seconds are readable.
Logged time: 3,07
